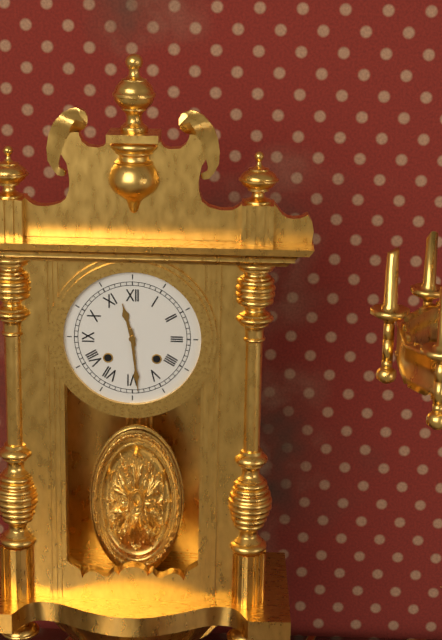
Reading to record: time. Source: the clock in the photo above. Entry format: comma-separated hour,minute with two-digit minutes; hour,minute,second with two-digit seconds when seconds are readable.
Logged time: 11,29
